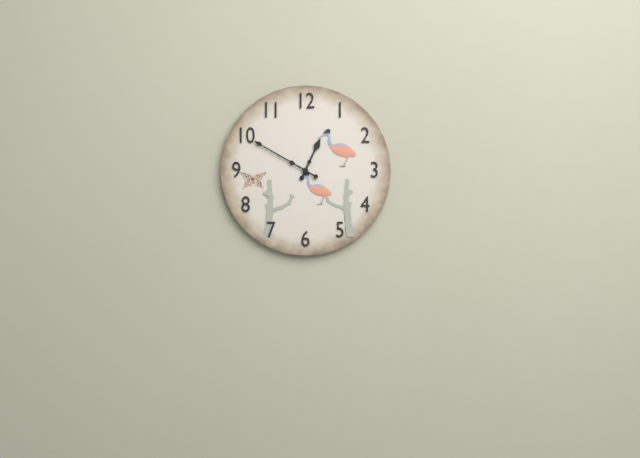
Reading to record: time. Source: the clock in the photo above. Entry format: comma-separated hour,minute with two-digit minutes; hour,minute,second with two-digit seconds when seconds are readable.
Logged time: 12,50
